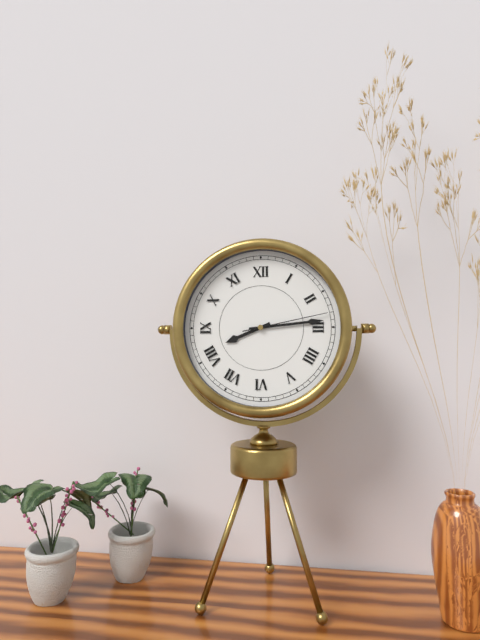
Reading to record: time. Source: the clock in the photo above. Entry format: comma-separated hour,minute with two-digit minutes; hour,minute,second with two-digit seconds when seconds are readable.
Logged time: 8,14,13
